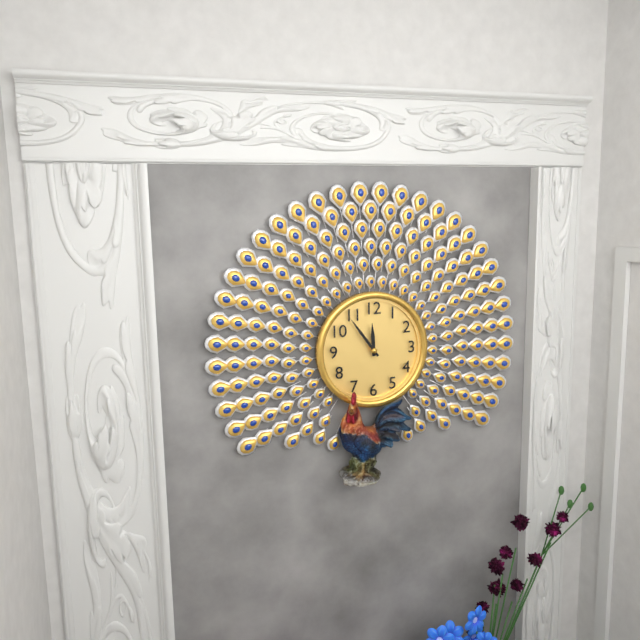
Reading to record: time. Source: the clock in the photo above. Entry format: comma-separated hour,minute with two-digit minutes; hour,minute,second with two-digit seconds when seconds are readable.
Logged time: 11,54
